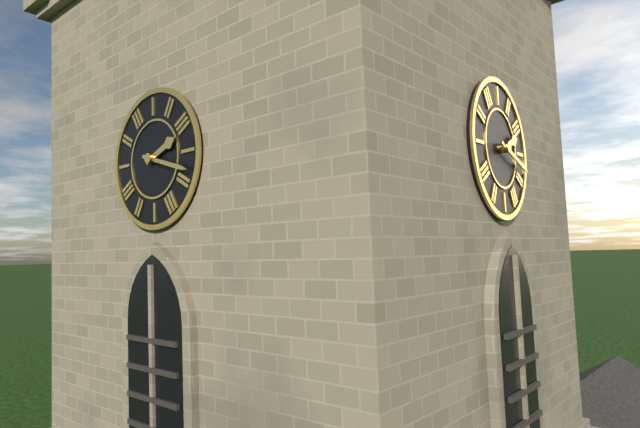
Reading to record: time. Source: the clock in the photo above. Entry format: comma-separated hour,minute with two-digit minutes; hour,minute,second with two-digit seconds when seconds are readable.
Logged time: 2,18
